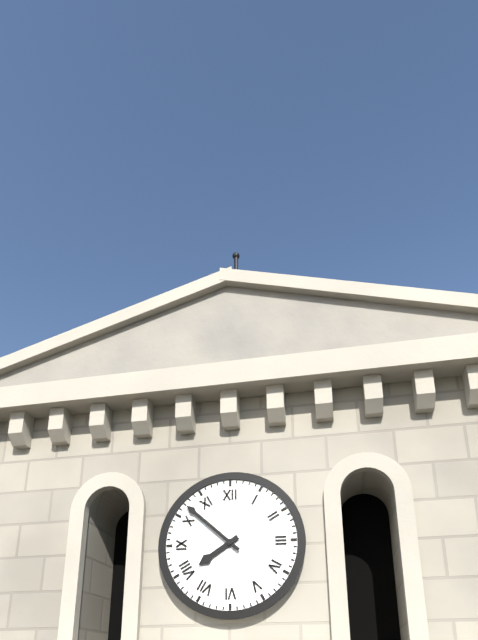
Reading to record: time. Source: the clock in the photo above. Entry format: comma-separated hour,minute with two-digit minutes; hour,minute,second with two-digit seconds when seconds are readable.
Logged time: 7,52
